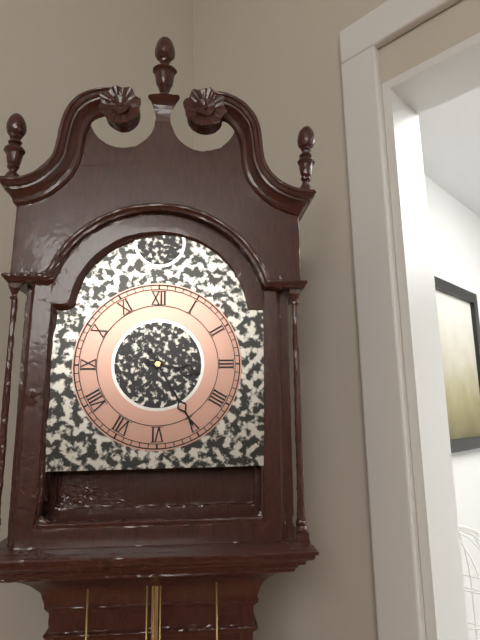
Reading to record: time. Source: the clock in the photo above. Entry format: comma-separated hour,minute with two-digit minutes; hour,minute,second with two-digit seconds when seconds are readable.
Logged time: 3,25
